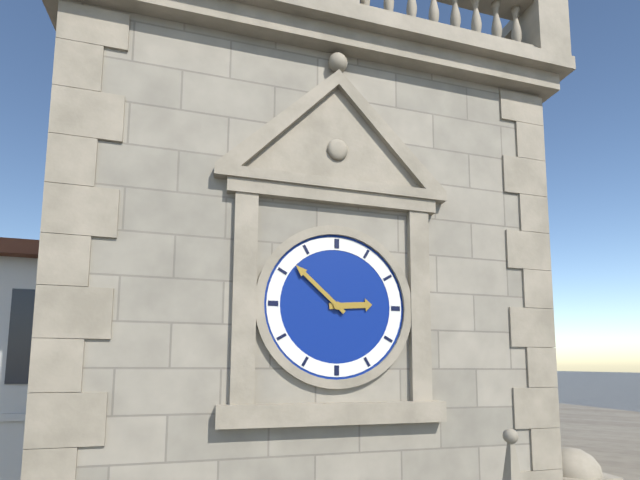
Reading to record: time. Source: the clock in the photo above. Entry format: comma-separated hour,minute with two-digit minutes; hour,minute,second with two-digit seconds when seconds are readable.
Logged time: 2,52
